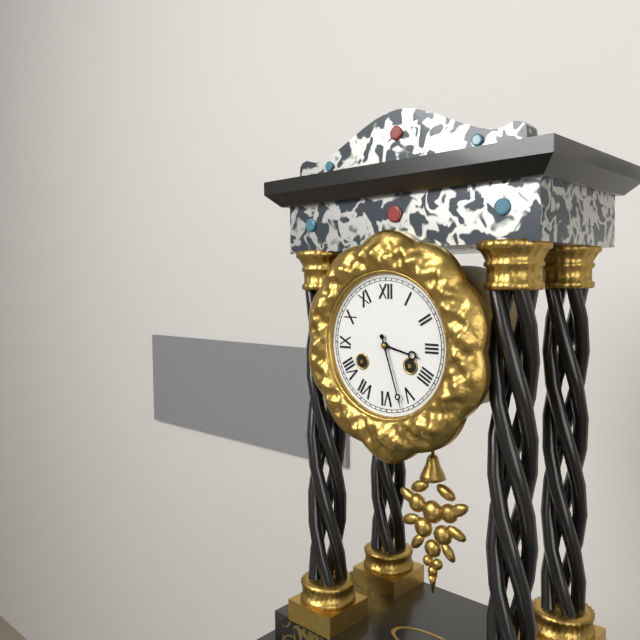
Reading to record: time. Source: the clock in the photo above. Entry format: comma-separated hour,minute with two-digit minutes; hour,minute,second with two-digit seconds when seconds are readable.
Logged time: 3,27
